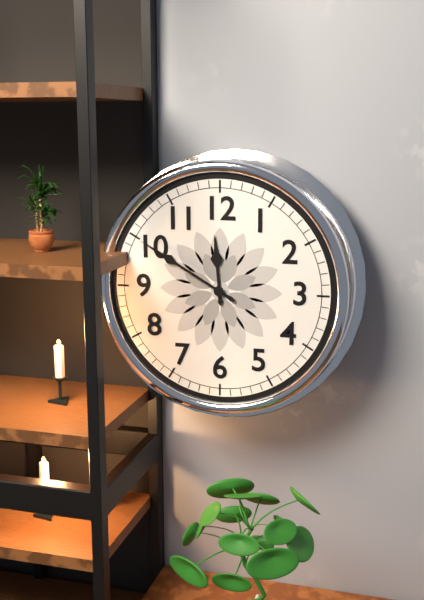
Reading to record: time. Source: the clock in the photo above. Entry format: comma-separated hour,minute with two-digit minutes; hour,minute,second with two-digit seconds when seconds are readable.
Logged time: 11,50
